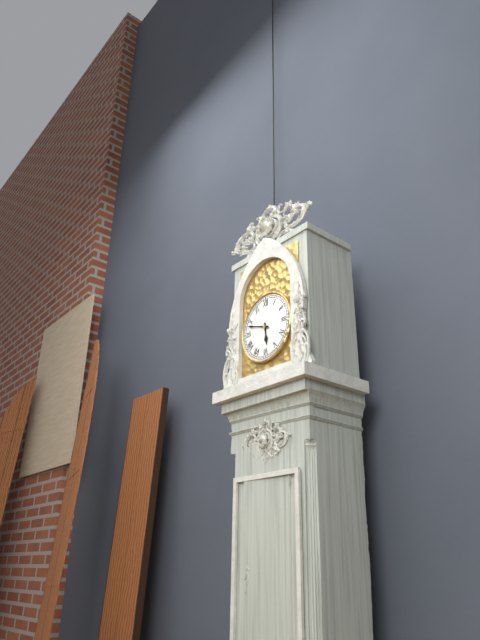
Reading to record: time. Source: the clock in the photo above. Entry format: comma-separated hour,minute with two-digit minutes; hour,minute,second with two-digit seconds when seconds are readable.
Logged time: 5,48
